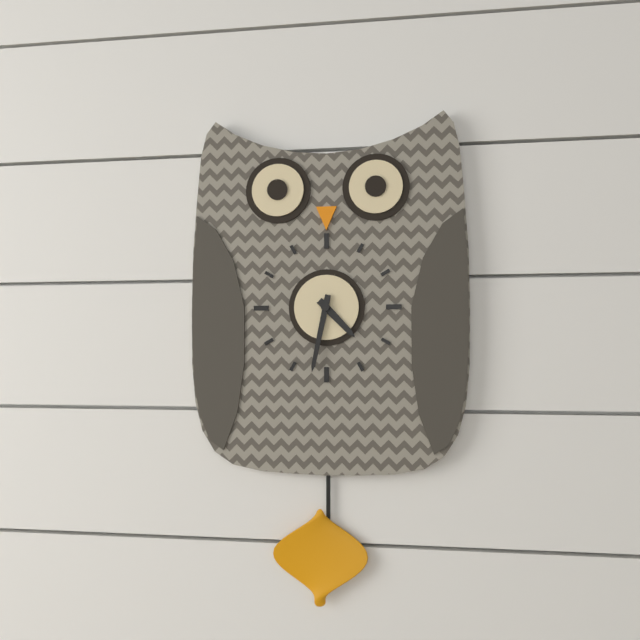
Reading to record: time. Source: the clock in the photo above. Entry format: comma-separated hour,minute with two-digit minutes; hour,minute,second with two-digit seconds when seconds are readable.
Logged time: 4,32
